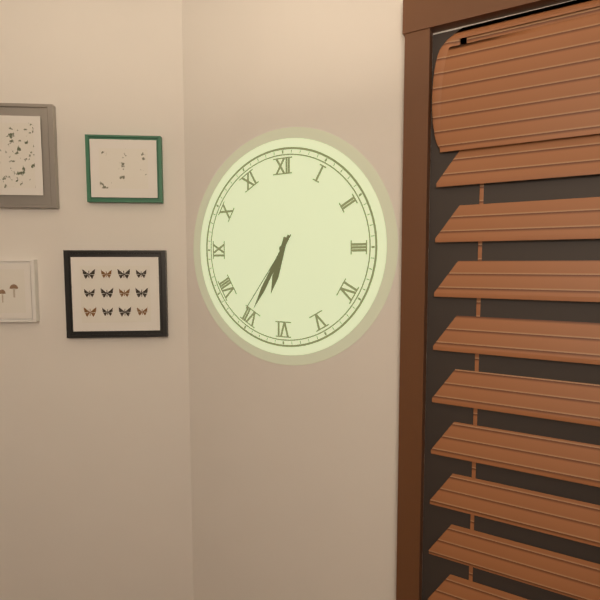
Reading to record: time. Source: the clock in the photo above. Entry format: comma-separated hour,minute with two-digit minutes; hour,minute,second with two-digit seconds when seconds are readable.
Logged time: 6,35,36
